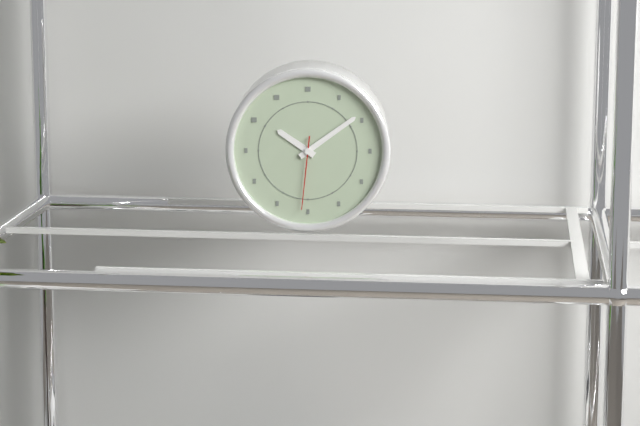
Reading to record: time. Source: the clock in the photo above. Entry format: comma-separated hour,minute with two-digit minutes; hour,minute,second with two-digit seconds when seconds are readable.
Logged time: 10,09,31
